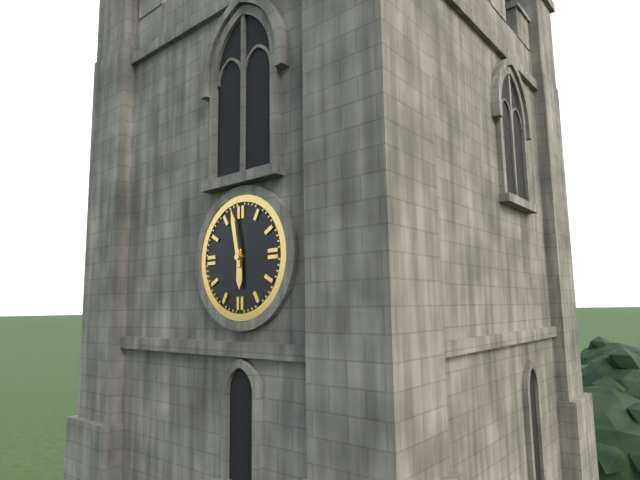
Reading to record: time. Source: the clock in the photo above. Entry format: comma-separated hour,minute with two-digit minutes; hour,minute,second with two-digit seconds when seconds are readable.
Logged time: 5,58
